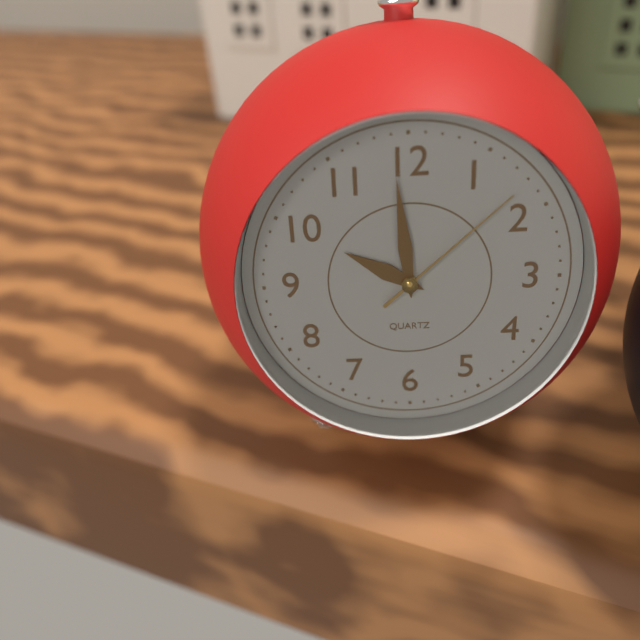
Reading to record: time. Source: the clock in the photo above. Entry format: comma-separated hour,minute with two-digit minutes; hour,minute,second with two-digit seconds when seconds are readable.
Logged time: 9,59,08
